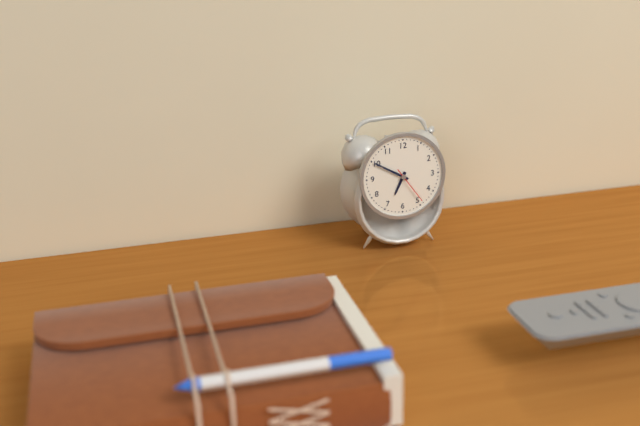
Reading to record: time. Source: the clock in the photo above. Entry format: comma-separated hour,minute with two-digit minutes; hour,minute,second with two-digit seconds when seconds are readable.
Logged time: 6,50
